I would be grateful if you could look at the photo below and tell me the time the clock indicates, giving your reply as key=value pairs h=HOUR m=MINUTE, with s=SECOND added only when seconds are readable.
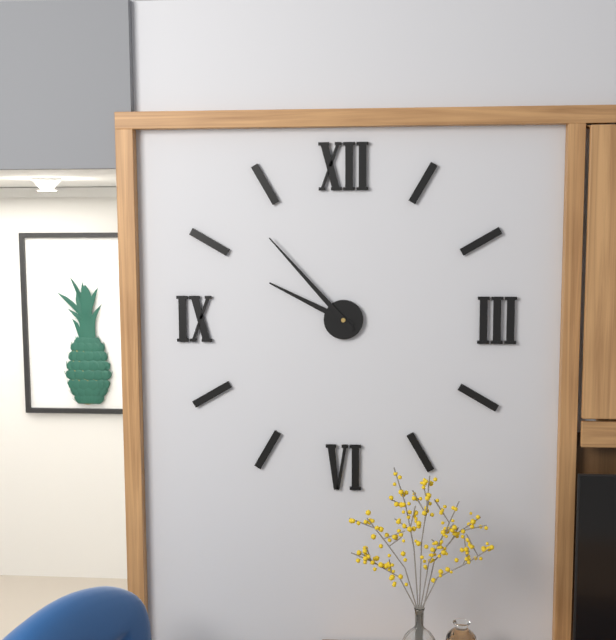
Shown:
h=9 m=53
